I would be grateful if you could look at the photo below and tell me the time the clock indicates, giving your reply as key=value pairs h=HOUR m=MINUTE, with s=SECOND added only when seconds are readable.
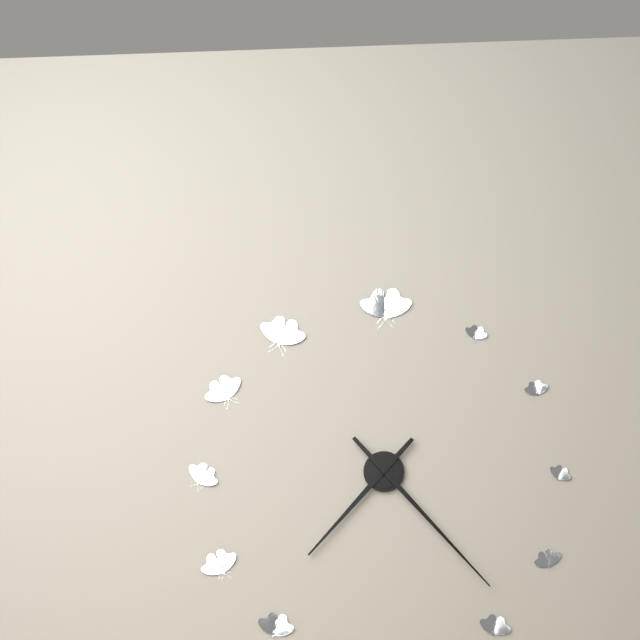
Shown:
h=7 m=23
